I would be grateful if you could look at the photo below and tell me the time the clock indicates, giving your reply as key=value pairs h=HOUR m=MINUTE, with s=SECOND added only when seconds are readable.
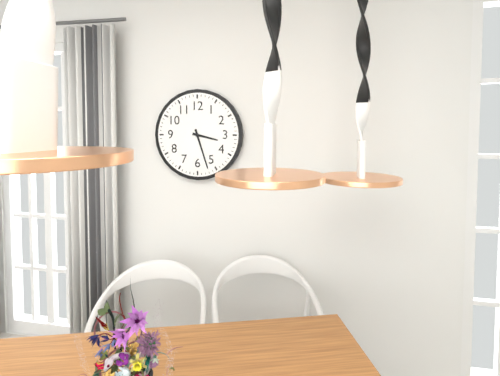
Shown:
h=3 m=27
